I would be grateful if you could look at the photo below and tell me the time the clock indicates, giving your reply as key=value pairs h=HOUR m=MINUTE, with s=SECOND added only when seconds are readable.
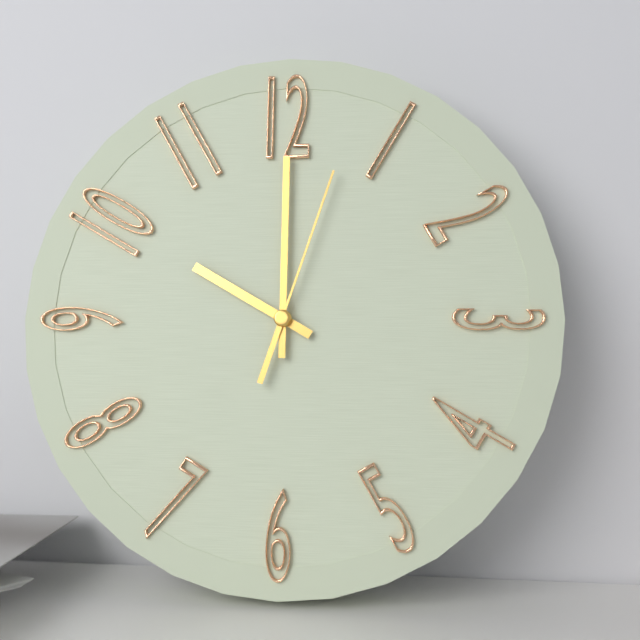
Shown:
h=10 m=0 s=3
